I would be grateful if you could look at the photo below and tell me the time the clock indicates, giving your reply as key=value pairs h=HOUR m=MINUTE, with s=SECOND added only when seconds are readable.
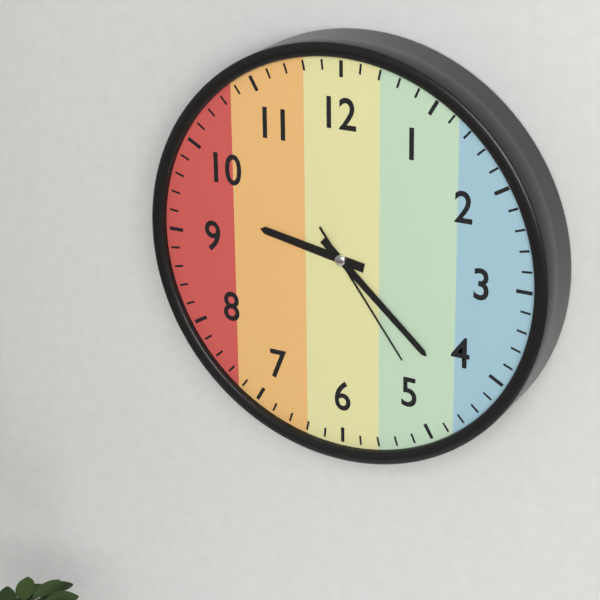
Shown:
h=9 m=22 s=24
